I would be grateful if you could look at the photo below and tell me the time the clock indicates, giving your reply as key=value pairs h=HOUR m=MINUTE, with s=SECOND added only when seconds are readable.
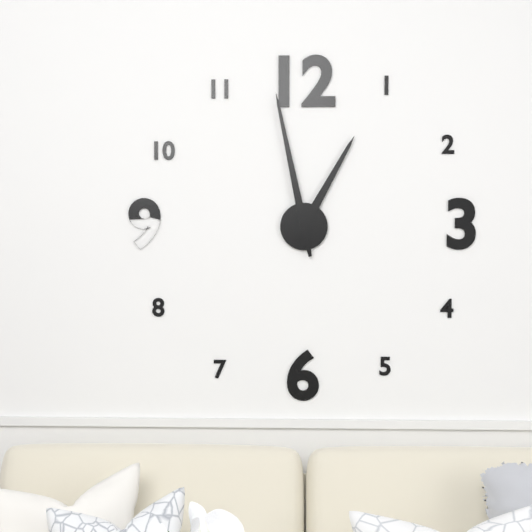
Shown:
h=12 m=58
